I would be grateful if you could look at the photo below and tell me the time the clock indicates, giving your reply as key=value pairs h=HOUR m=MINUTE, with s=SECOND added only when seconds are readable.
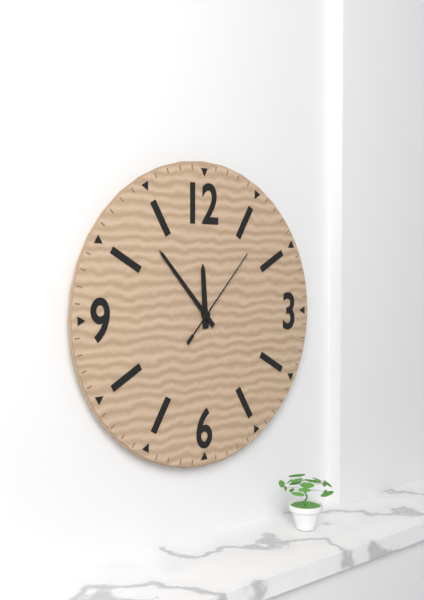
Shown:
h=11 m=53 s=7
